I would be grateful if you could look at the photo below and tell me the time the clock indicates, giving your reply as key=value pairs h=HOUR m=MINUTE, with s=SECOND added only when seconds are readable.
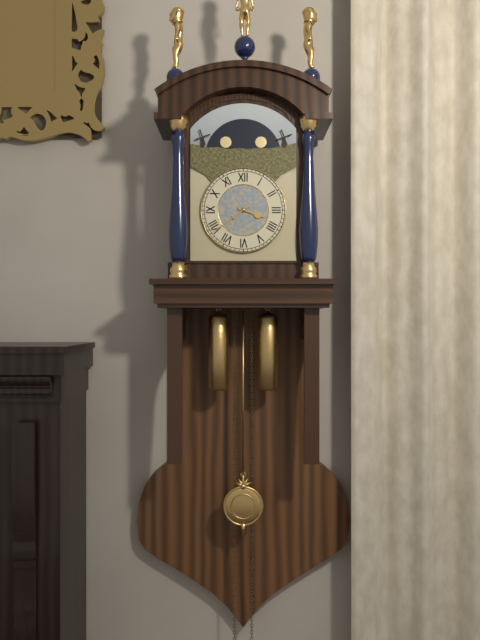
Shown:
h=3 m=39
